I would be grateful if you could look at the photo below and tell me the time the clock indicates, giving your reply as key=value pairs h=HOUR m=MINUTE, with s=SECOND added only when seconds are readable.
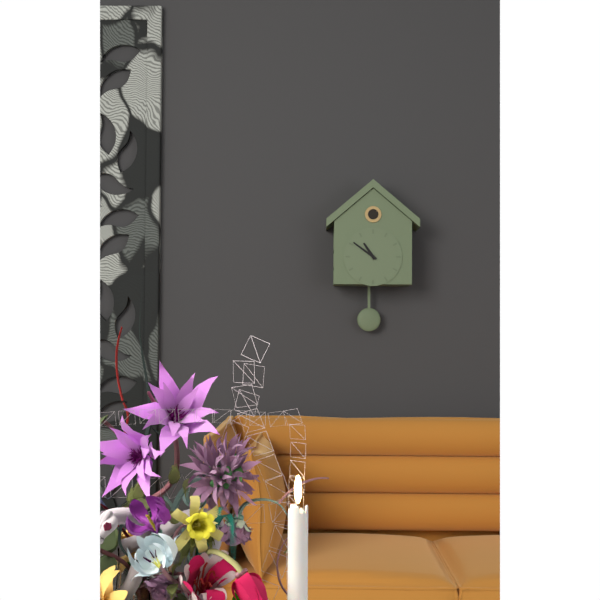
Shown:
h=10 m=51
